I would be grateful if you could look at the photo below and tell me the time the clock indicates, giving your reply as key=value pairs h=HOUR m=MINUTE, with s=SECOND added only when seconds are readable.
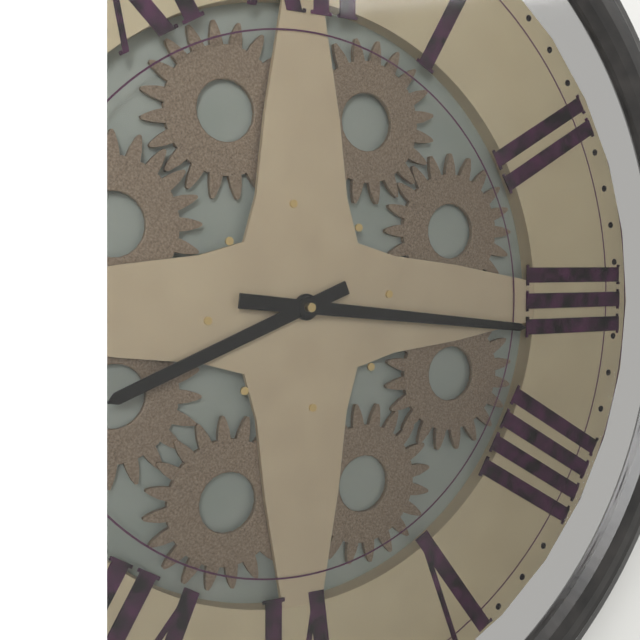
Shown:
h=8 m=16
